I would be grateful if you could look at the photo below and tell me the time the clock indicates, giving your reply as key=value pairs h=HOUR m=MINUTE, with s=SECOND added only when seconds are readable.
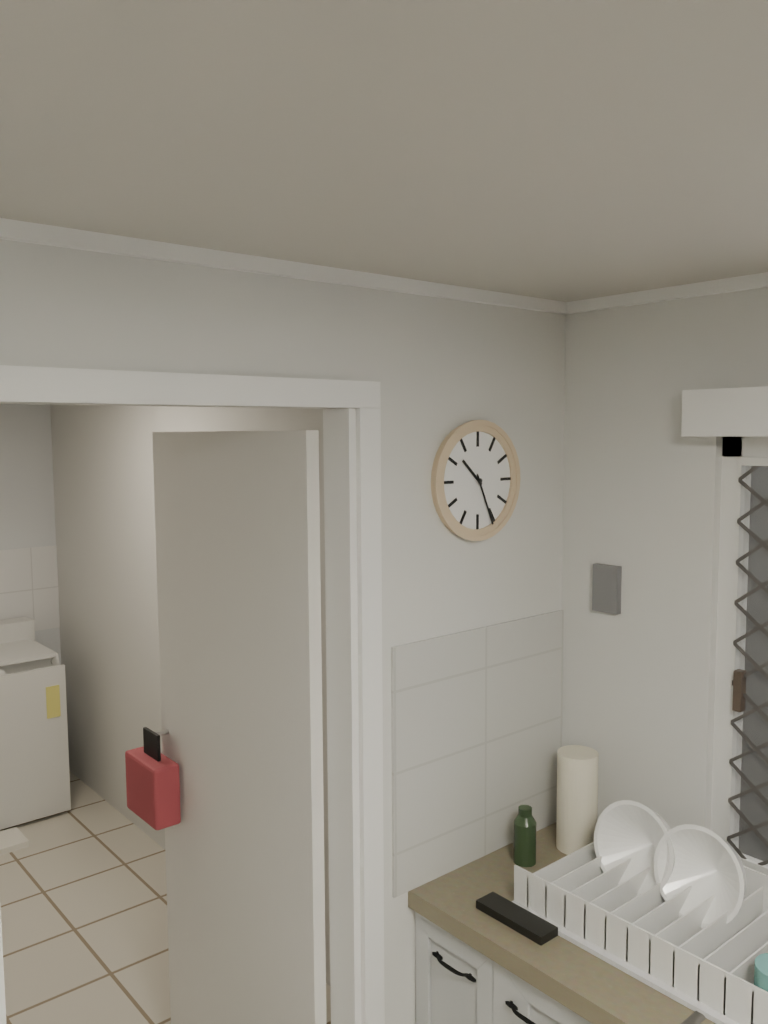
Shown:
h=10 m=26
